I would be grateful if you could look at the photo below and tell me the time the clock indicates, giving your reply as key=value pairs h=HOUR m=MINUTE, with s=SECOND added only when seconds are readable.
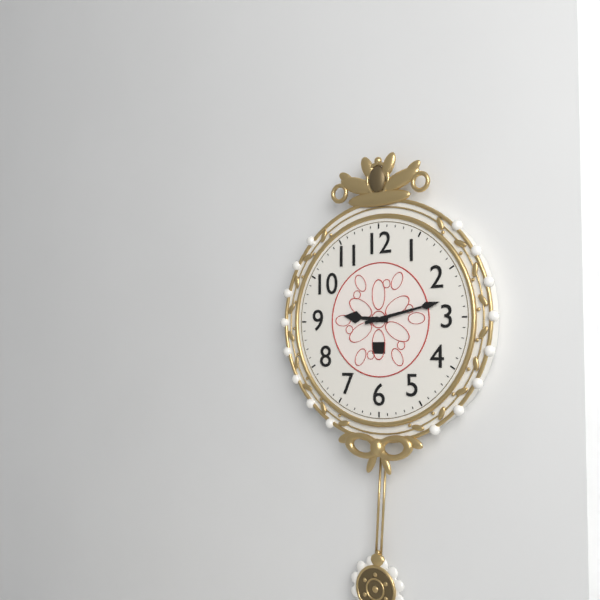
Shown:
h=9 m=13
